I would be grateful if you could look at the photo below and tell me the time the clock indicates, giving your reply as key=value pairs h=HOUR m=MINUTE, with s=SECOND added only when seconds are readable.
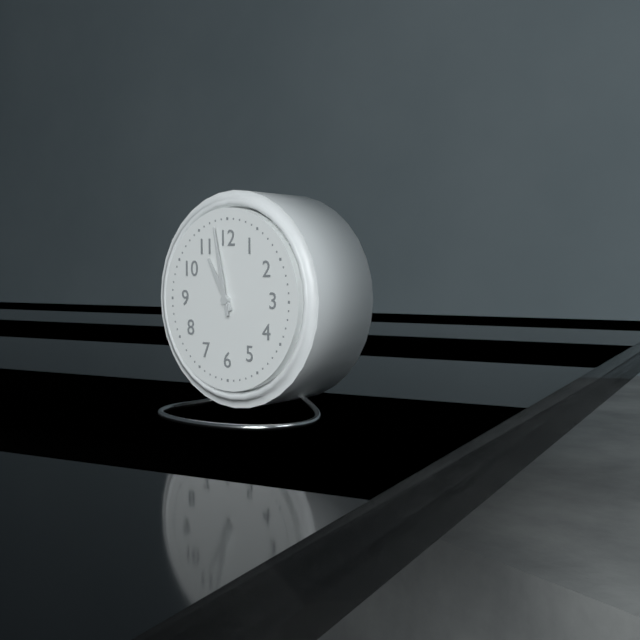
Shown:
h=10 m=58
